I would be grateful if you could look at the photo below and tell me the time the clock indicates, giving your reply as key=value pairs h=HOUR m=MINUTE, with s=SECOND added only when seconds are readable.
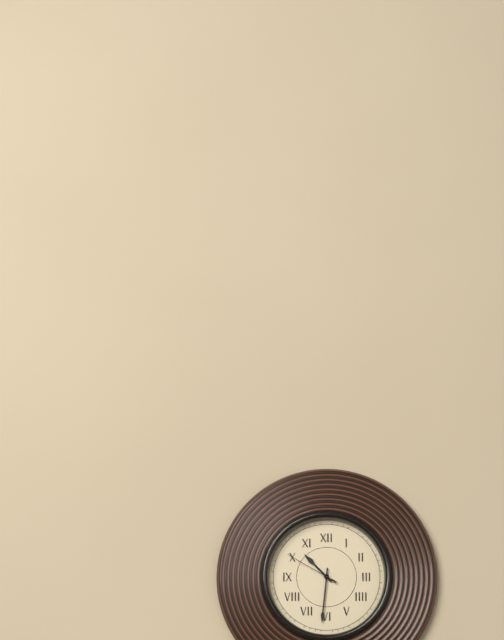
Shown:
h=10 m=31 s=50
